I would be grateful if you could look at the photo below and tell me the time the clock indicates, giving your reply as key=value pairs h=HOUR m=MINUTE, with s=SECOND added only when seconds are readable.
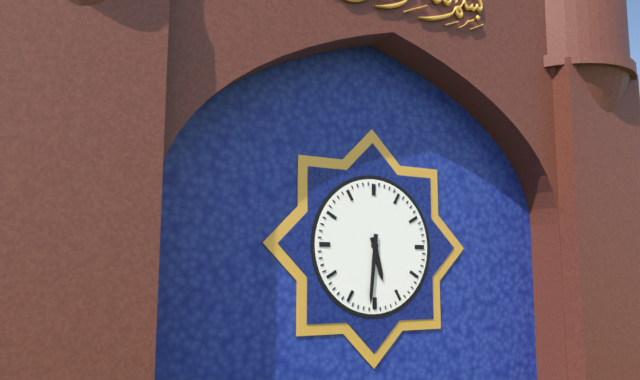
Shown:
h=5 m=31
